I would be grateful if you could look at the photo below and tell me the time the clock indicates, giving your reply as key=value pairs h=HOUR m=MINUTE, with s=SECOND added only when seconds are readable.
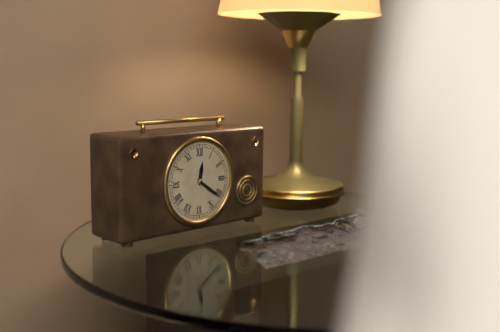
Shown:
h=12 m=21
